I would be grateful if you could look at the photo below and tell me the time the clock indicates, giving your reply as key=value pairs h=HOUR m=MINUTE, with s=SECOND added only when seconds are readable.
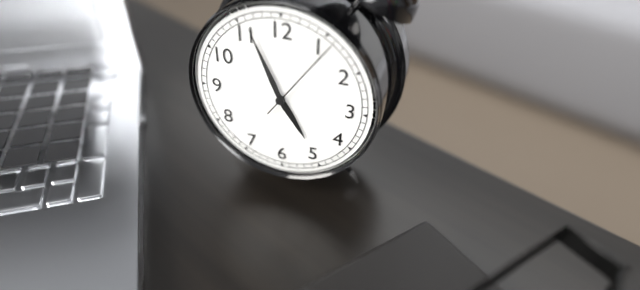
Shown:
h=4 m=56 s=6
